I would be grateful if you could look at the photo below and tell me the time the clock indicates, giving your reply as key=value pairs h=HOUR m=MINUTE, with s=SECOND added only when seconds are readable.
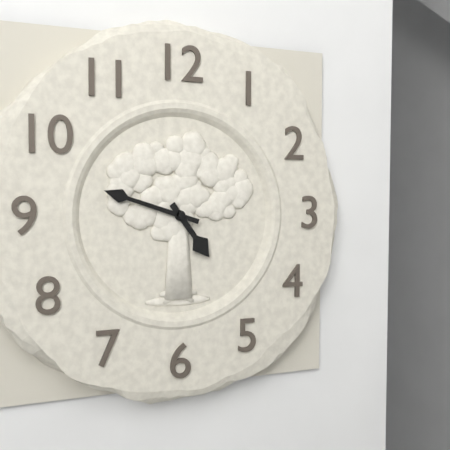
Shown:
h=4 m=48
